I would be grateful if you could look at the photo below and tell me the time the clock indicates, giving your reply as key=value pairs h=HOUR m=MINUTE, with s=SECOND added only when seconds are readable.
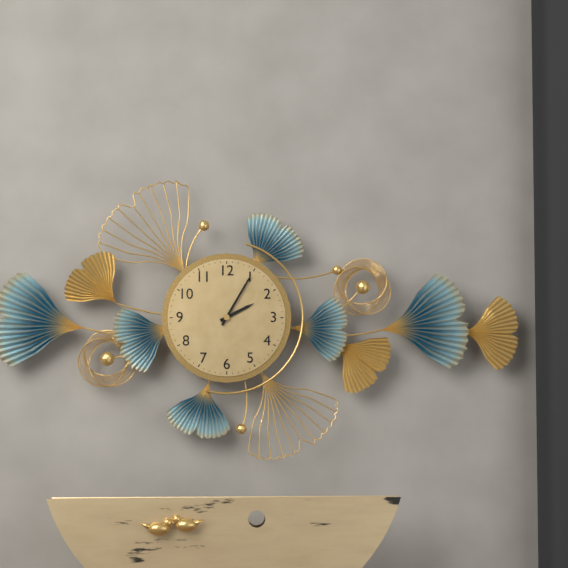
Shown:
h=2 m=5
